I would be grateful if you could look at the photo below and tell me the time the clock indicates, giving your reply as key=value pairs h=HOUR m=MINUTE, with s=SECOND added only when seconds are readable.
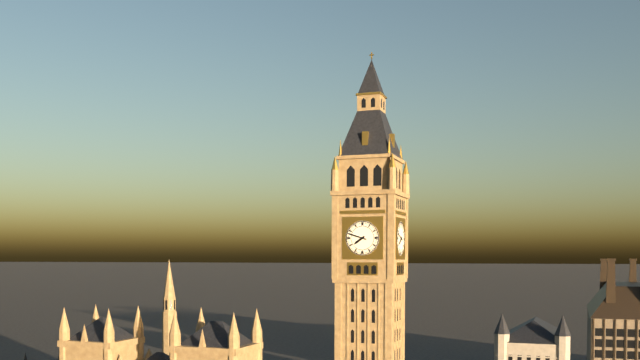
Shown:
h=7 m=48
